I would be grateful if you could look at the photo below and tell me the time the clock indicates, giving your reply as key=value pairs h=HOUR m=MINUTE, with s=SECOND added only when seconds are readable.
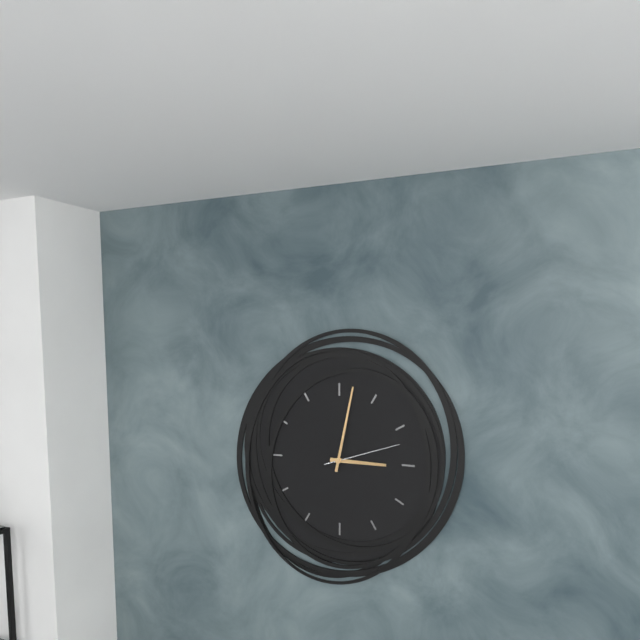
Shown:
h=3 m=2 s=12
